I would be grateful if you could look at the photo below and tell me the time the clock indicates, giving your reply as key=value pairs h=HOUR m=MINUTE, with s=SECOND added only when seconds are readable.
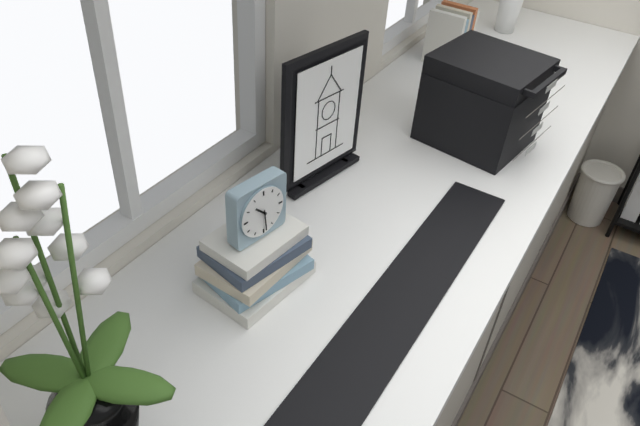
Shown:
h=10 m=29
